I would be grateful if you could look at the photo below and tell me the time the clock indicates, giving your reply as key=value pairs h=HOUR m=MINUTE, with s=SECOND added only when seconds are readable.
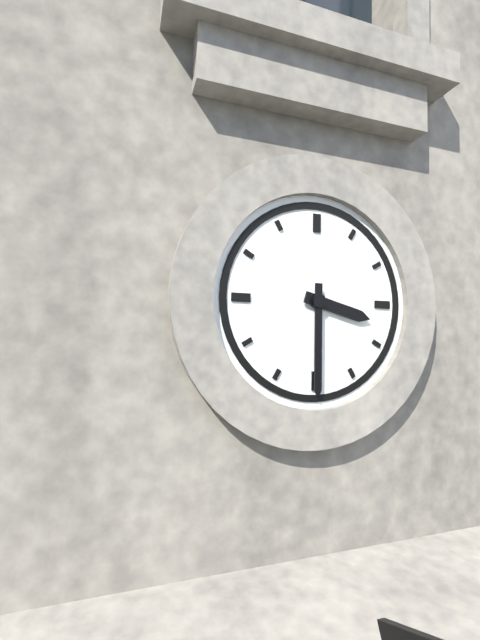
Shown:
h=3 m=30
